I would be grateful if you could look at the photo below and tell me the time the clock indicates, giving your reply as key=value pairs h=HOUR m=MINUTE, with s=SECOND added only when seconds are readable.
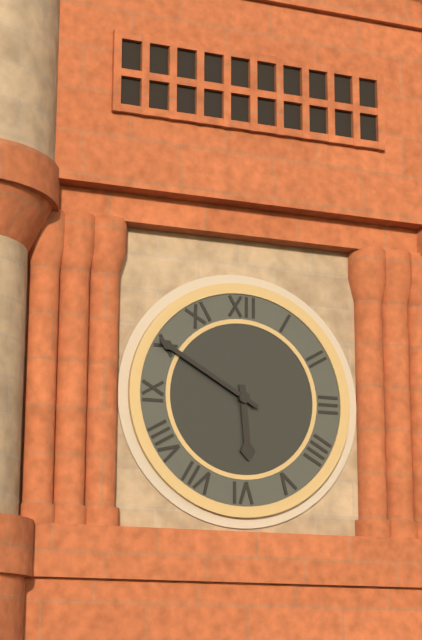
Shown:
h=5 m=50
